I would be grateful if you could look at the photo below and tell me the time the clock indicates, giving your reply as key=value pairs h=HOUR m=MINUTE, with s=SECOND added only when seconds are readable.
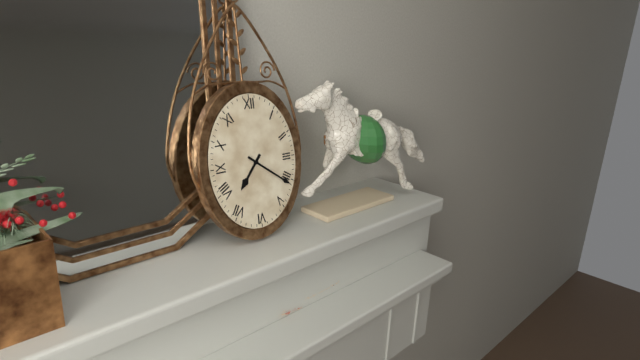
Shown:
h=7 m=21
